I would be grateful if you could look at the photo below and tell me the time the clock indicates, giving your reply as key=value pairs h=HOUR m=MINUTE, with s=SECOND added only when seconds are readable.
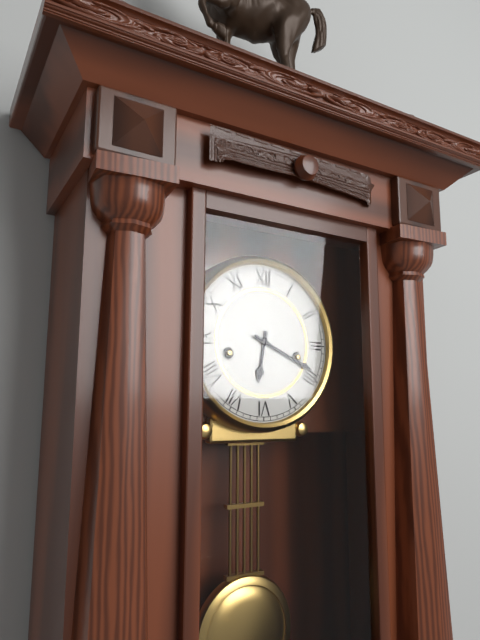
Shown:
h=6 m=19
